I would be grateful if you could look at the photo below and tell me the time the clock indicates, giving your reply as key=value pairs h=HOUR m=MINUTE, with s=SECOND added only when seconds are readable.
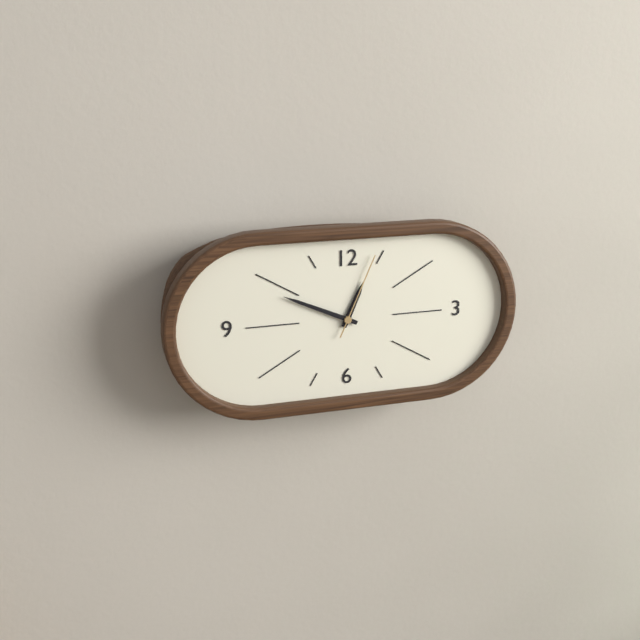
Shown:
h=12 m=49 s=4
